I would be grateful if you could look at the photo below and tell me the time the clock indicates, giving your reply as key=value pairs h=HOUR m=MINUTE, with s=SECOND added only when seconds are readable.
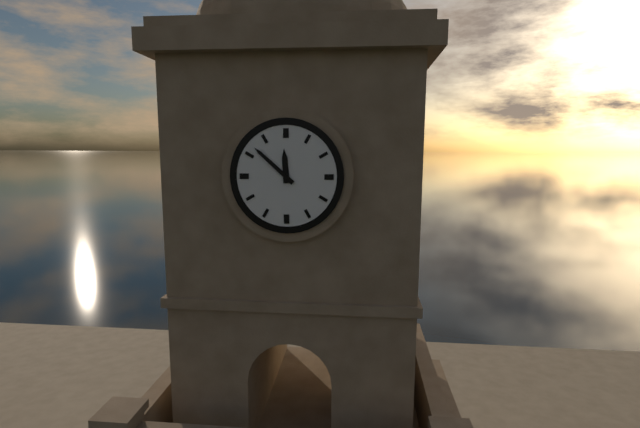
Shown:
h=11 m=52
